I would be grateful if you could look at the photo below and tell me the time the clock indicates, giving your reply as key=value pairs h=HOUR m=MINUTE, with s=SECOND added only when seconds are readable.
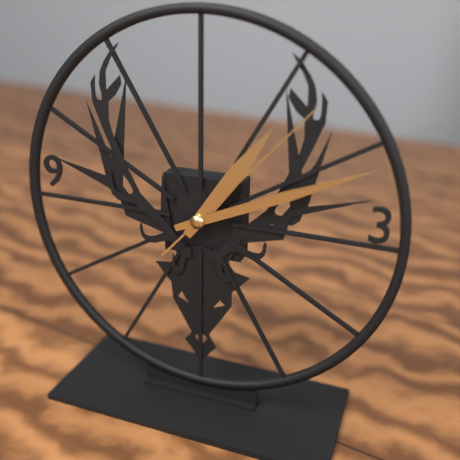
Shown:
h=1 m=11 s=7
